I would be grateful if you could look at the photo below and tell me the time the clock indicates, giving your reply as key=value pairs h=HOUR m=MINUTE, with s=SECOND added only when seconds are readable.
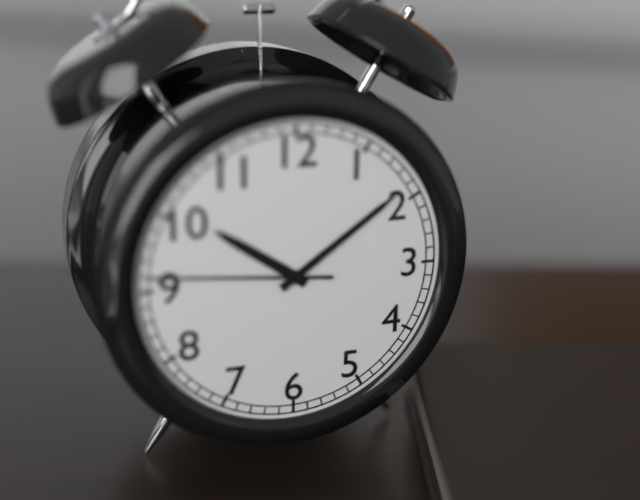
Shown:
h=10 m=9 s=46
